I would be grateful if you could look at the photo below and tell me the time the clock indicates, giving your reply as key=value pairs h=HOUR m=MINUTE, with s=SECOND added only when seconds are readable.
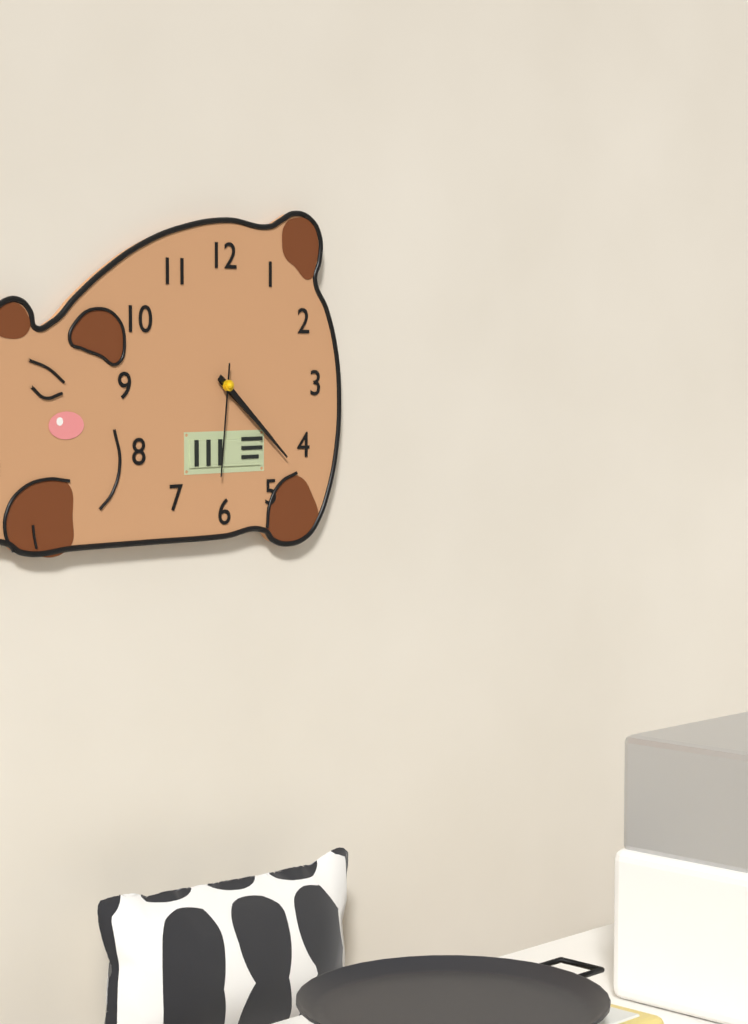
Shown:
h=4 m=22 s=31
